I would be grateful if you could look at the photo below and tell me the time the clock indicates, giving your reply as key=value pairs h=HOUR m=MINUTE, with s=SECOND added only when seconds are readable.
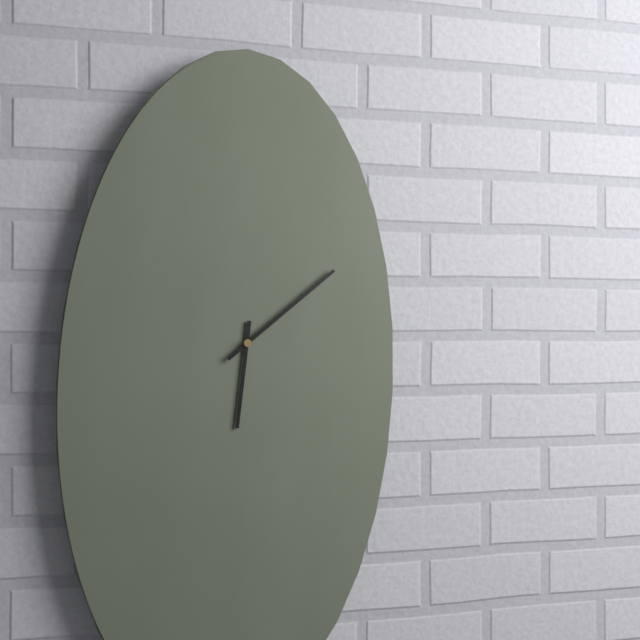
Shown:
h=6 m=8
